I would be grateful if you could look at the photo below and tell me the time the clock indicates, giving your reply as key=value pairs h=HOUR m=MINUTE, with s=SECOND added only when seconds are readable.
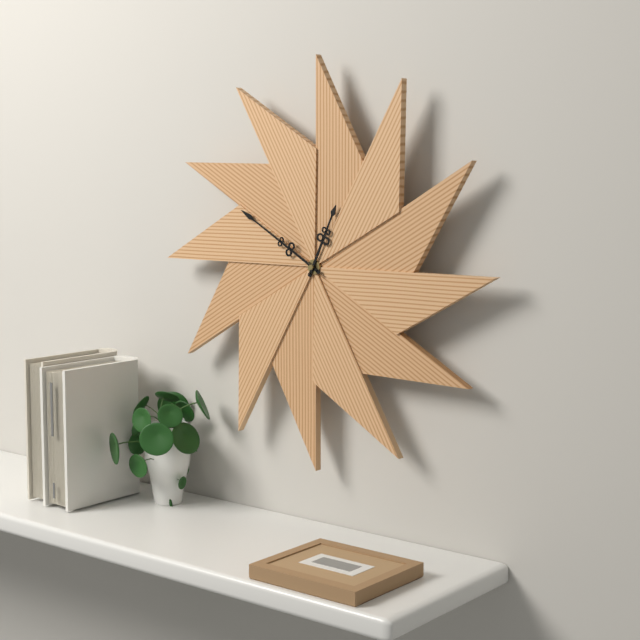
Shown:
h=12 m=50
